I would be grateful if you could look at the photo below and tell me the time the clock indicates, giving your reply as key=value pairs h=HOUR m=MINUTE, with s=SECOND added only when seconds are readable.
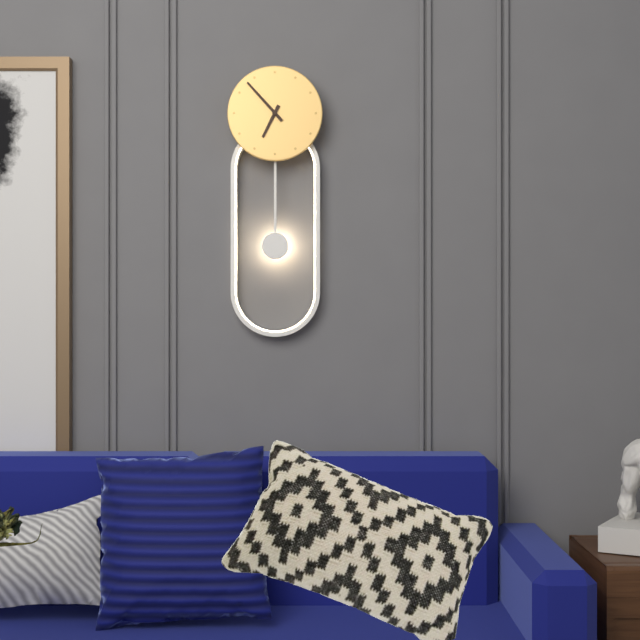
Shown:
h=6 m=53
